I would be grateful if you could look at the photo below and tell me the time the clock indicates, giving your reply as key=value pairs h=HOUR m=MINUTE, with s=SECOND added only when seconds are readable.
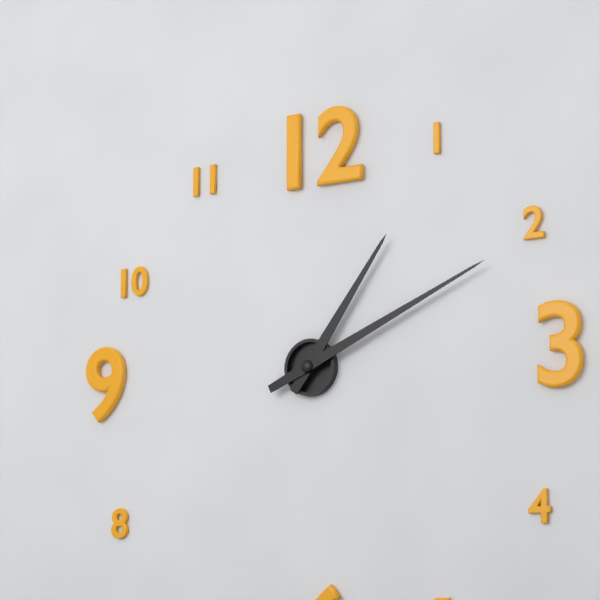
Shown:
h=1 m=11
